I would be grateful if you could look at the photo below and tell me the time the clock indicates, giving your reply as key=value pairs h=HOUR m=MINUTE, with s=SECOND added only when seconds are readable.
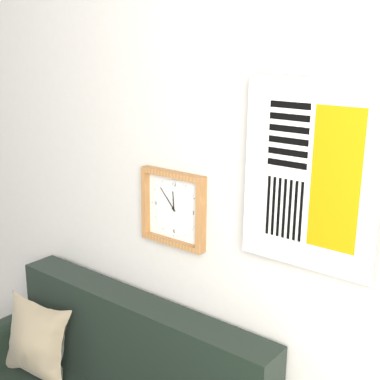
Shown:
h=11 m=53
